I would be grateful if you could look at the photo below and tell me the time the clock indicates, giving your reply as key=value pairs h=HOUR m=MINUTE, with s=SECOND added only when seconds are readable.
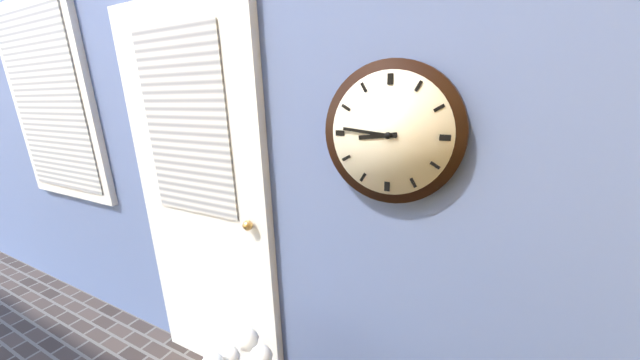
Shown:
h=8 m=46
